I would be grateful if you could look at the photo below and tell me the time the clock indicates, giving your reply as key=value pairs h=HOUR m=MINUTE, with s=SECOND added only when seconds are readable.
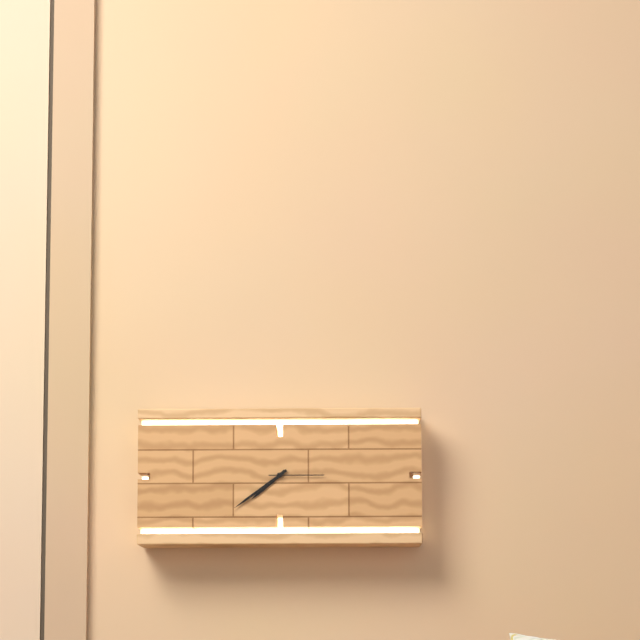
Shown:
h=7 m=39 s=15
